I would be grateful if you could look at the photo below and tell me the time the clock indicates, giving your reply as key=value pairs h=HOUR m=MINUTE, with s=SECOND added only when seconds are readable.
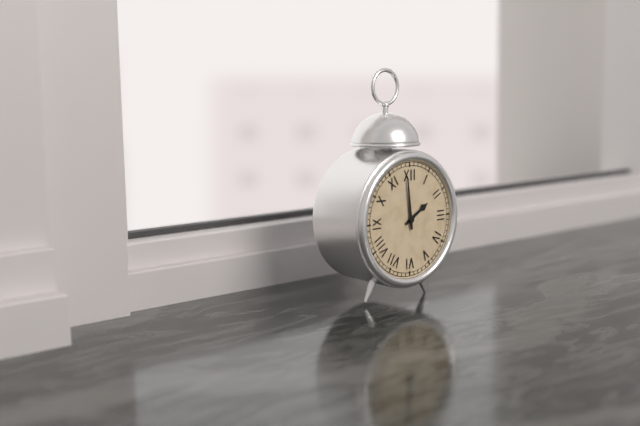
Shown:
h=1 m=59
